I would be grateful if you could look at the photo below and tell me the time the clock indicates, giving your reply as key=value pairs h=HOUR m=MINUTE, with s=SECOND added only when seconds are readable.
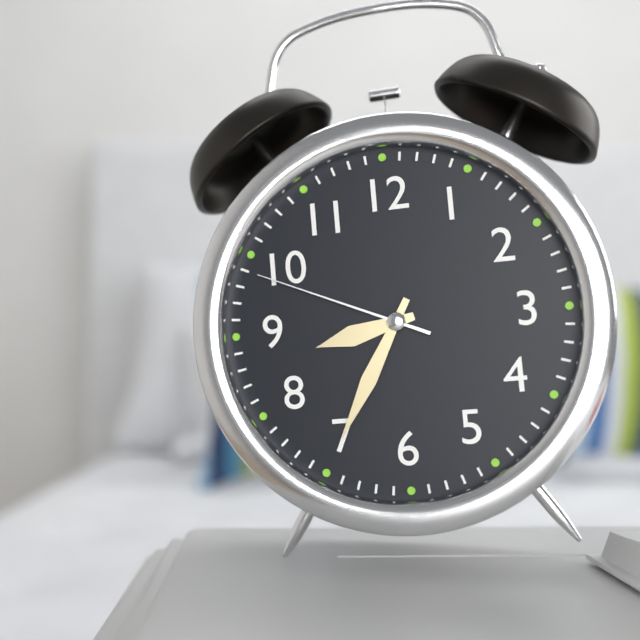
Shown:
h=8 m=35 s=49
